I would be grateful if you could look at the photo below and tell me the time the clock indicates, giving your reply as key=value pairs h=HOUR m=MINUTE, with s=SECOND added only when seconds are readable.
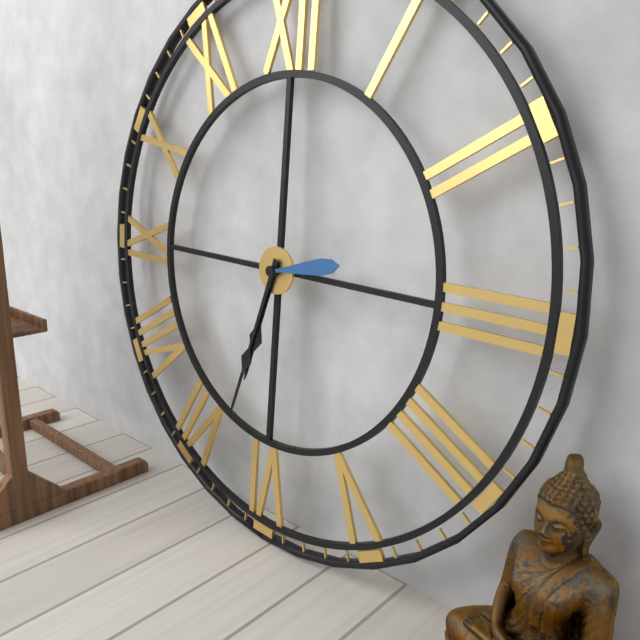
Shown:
h=6 m=33 s=13
